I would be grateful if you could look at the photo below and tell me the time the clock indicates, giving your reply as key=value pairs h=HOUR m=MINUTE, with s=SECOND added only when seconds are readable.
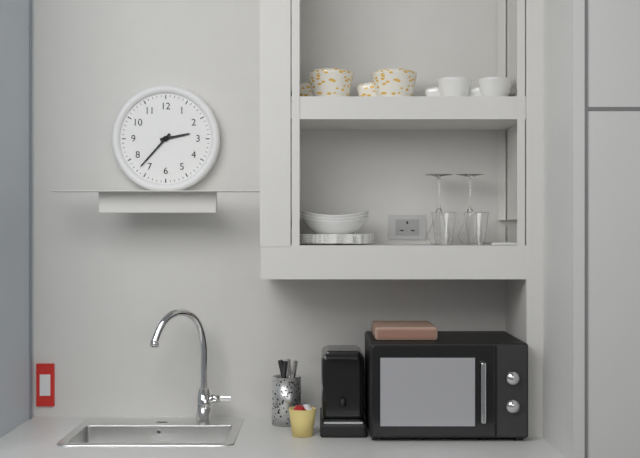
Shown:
h=2 m=37
